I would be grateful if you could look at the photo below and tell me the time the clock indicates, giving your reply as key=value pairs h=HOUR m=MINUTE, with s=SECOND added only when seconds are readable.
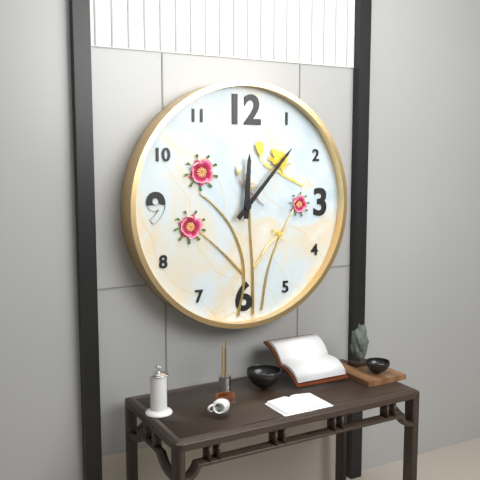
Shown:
h=12 m=7
